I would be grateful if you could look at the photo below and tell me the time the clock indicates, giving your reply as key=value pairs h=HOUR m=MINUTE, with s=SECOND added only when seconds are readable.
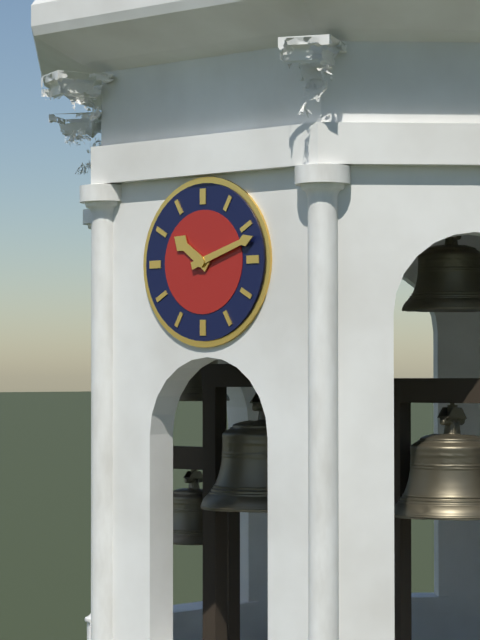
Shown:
h=10 m=12
